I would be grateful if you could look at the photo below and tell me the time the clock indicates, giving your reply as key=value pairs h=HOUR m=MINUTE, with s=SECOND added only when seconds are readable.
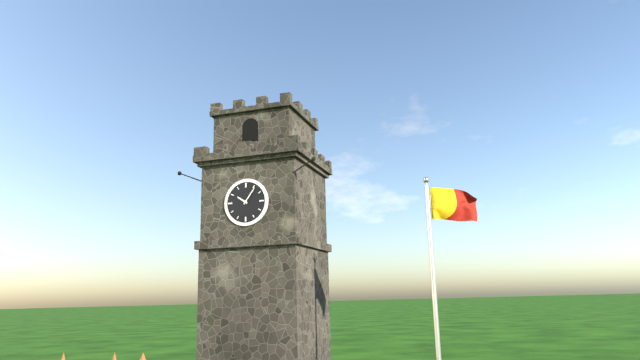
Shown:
h=10 m=6
